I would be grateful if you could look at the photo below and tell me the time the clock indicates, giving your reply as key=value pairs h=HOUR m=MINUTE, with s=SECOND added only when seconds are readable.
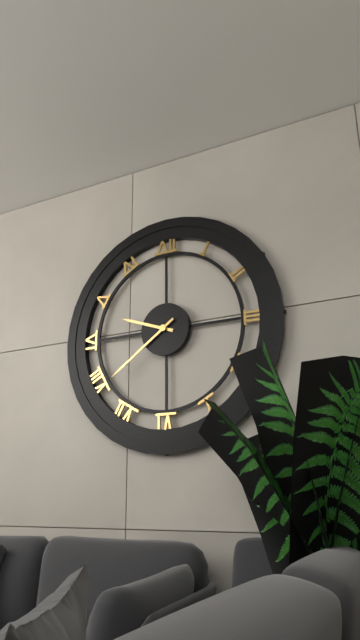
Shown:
h=9 m=39
